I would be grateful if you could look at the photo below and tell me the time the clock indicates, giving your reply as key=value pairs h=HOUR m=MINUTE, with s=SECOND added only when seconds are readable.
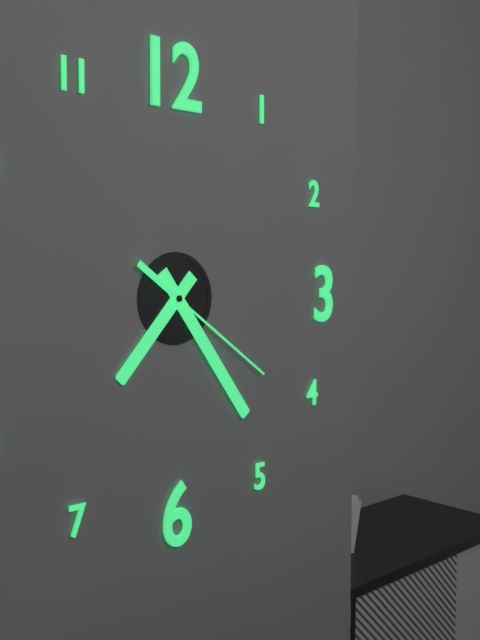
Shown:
h=7 m=24 s=21
